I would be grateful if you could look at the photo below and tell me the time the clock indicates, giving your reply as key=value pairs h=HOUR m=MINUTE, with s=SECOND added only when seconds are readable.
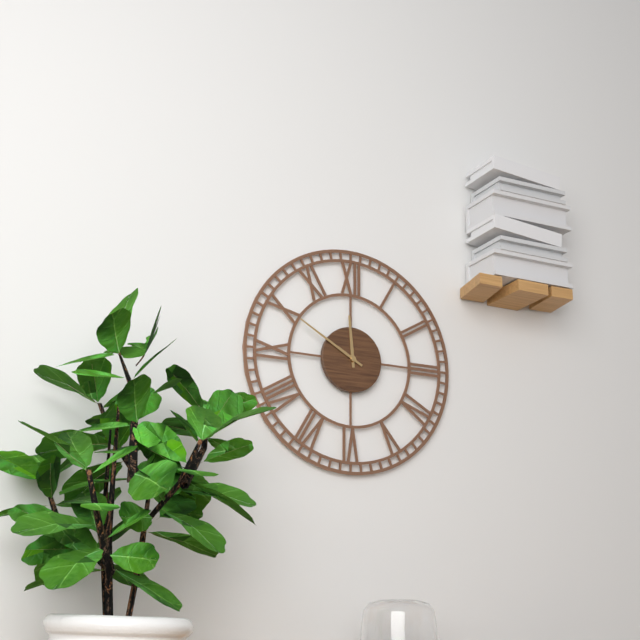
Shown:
h=11 m=50
